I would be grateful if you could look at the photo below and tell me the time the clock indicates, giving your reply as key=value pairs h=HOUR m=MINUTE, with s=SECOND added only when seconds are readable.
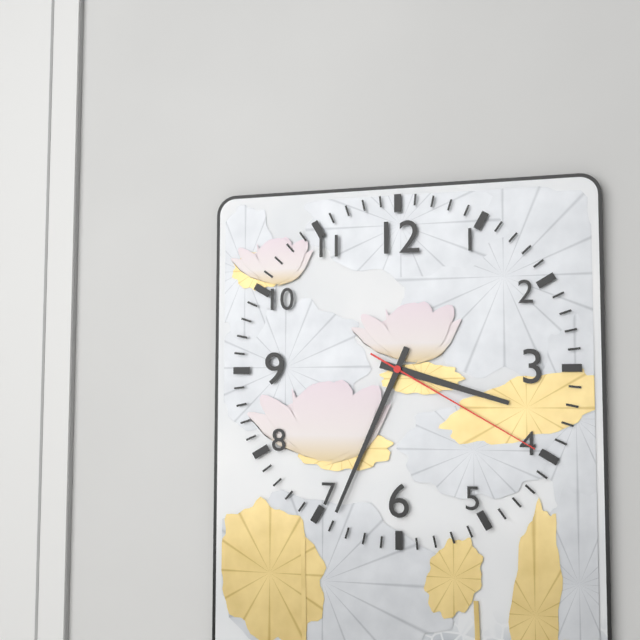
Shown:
h=3 m=34 s=20
